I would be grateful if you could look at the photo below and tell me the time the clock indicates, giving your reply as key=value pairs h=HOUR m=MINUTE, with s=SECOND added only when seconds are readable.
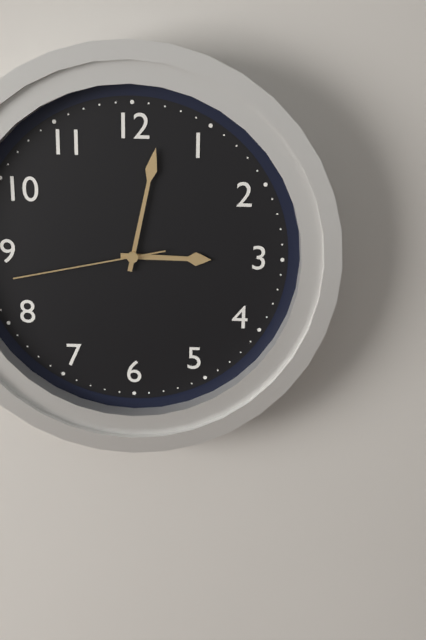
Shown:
h=3 m=2 s=43
